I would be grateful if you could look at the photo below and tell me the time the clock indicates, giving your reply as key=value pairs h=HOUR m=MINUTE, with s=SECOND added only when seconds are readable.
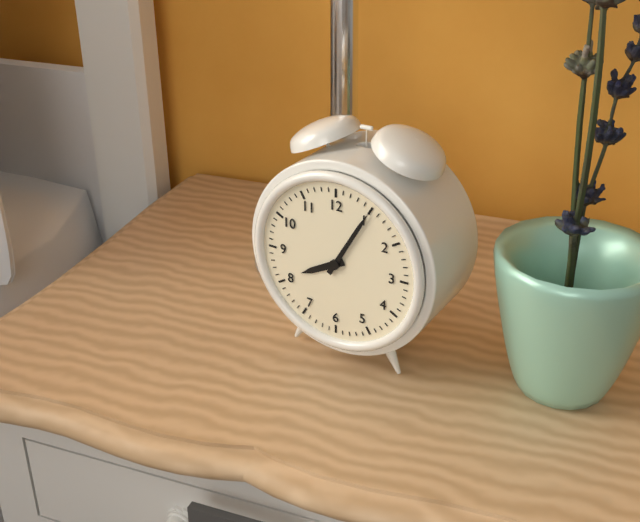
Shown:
h=8 m=5
